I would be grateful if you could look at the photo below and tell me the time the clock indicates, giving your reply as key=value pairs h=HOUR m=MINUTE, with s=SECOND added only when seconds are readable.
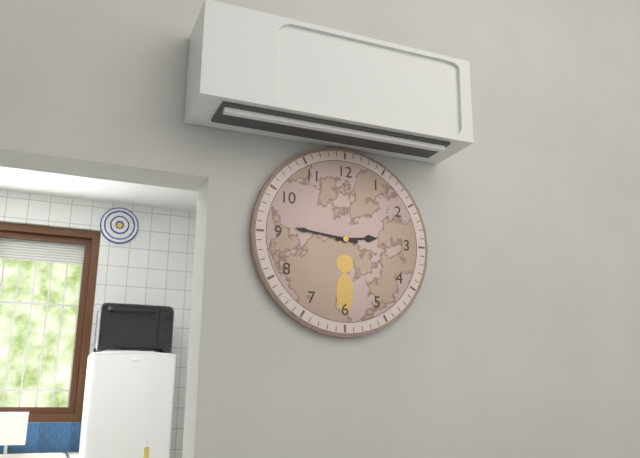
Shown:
h=2 m=46
